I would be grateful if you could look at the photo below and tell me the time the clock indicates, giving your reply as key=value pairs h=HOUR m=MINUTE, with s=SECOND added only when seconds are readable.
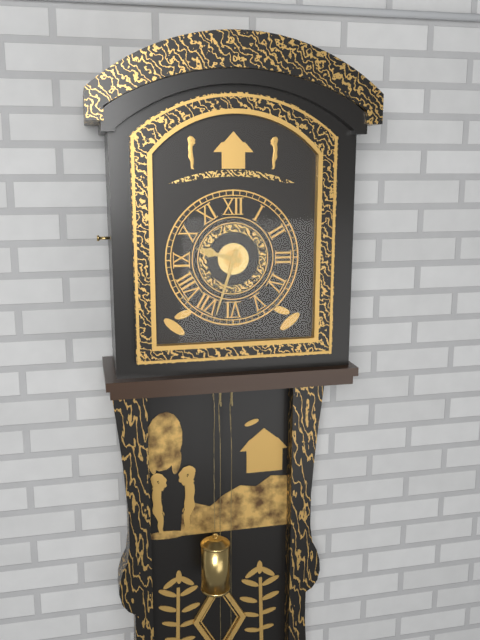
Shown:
h=9 m=33
